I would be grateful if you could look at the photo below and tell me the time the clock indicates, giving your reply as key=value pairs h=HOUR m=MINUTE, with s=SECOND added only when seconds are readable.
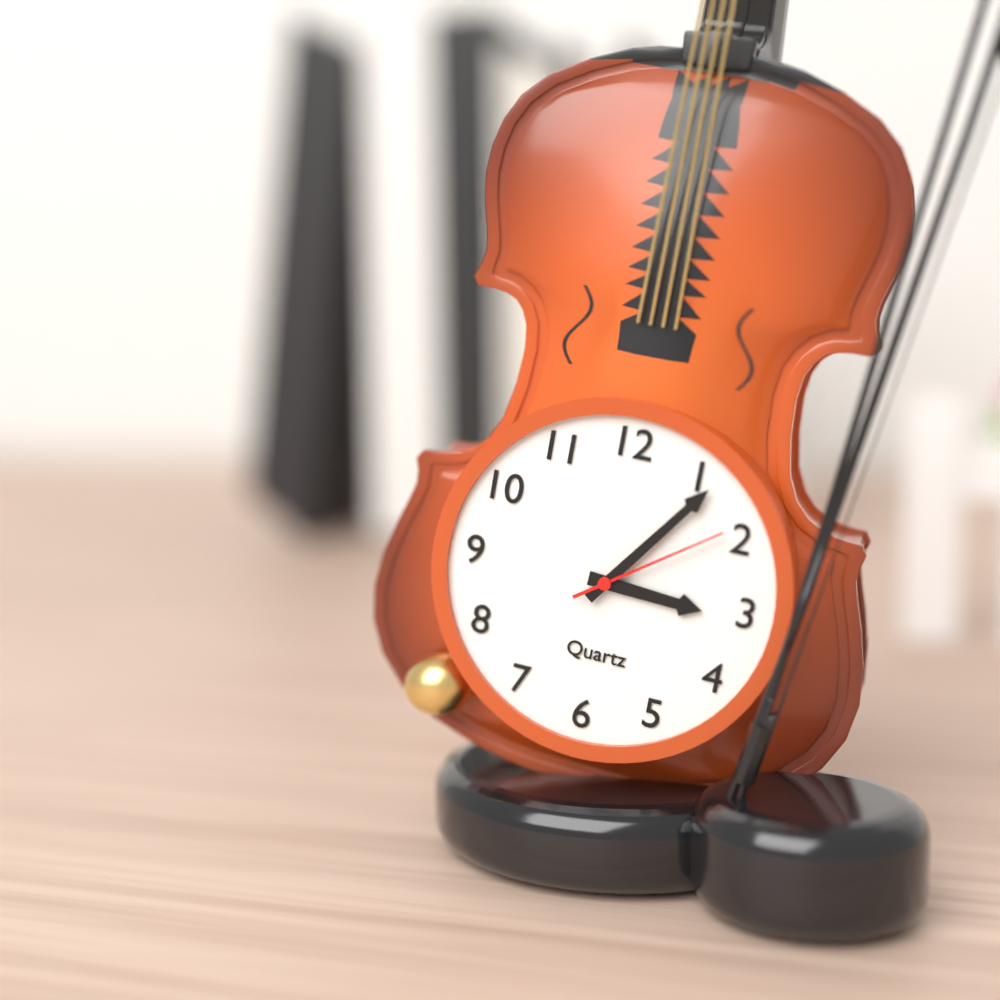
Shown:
h=3 m=6 s=9
